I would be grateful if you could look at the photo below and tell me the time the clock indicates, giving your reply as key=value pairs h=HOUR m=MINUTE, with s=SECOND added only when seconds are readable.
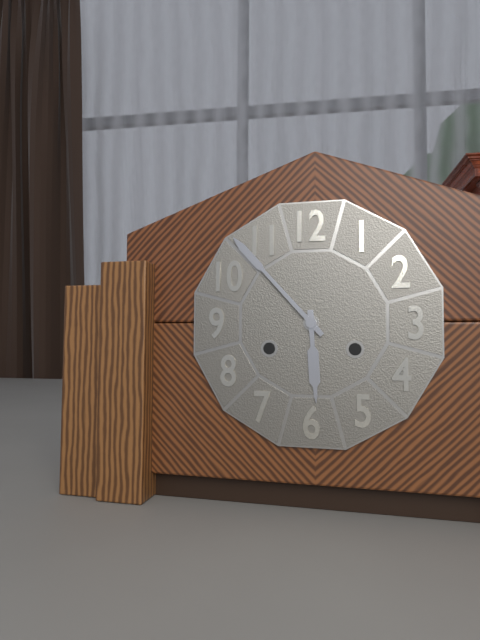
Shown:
h=5 m=53
